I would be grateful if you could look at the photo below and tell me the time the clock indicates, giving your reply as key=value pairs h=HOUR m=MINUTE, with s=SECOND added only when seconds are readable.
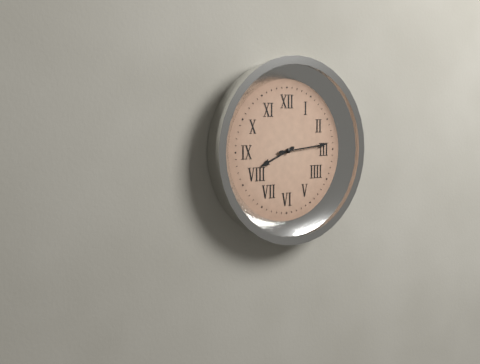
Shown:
h=8 m=14
